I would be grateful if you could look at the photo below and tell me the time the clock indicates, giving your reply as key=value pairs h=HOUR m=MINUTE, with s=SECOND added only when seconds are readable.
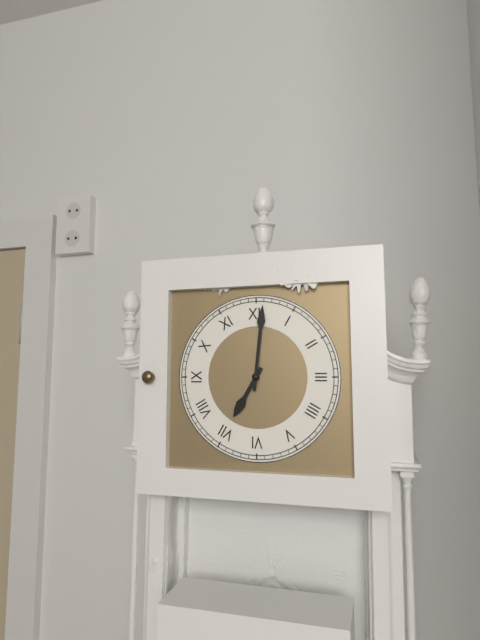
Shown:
h=7 m=1
